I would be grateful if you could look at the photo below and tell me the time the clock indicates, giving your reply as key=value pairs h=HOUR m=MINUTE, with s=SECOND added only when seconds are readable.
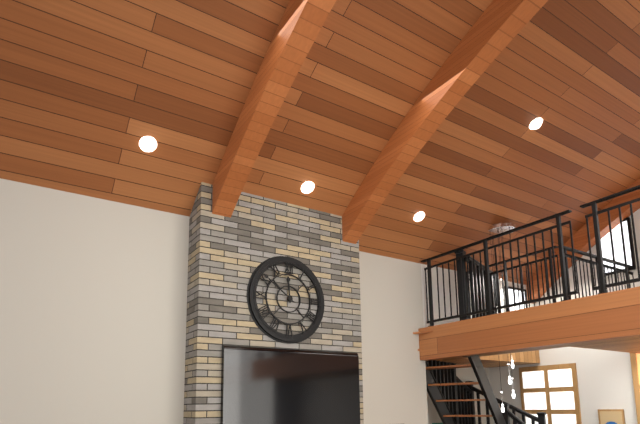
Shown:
h=11 m=51
